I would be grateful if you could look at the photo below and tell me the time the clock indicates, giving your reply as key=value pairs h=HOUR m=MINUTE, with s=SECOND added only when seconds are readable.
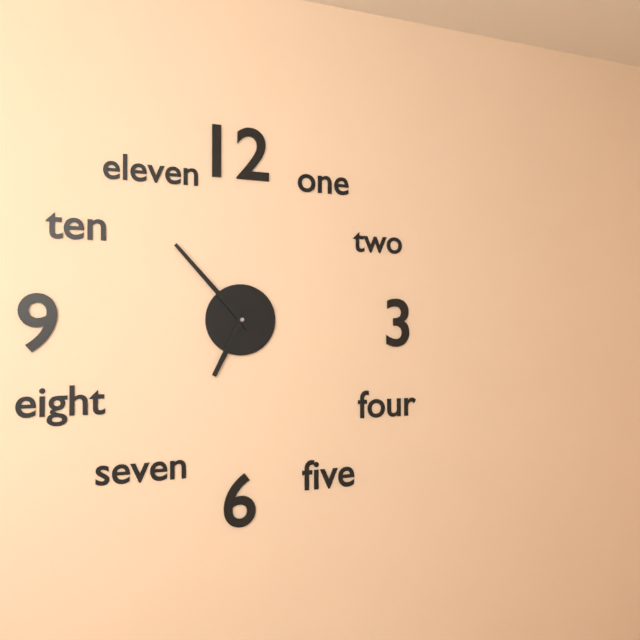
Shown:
h=6 m=53
